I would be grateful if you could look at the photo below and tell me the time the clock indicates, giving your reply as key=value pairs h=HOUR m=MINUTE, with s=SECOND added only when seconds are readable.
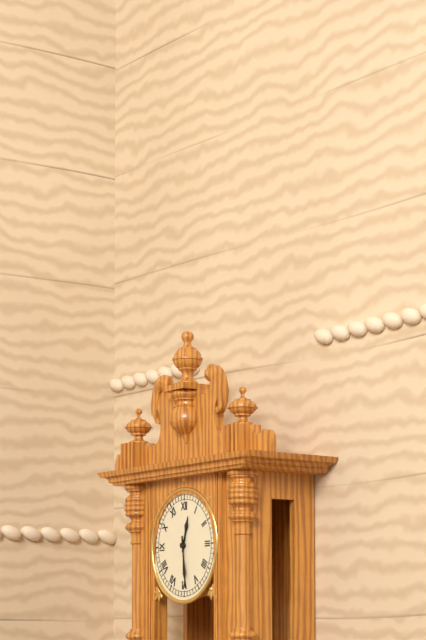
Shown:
h=12 m=29
